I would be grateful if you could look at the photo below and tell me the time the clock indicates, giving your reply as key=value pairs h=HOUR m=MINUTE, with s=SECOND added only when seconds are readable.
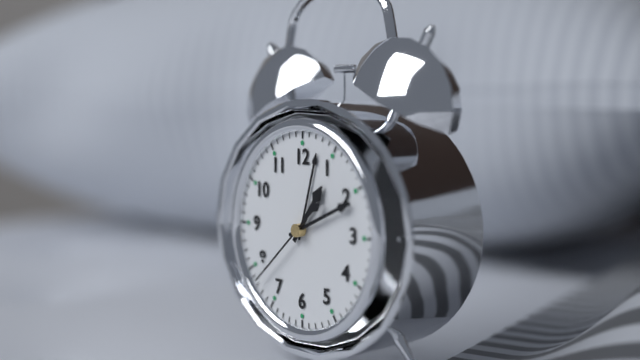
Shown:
h=1 m=11 s=38
